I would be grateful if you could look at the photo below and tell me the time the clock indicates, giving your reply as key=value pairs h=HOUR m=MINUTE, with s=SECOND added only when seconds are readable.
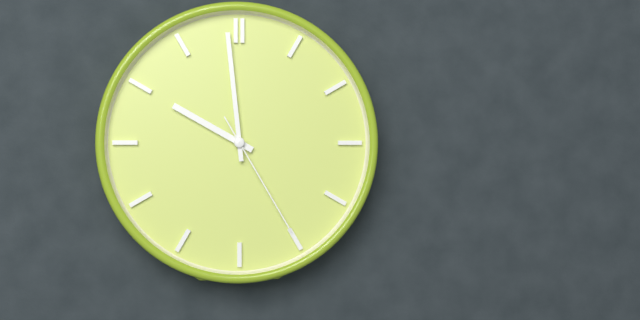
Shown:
h=9 m=59 s=25
